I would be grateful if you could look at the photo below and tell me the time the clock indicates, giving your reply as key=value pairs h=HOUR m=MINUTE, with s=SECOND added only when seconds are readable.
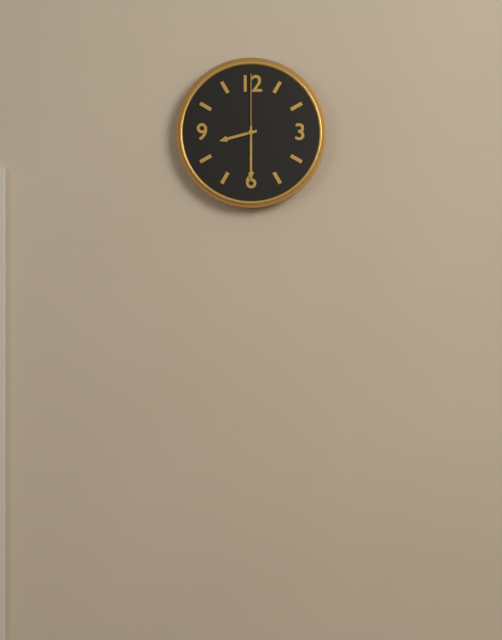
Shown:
h=8 m=30 s=0
